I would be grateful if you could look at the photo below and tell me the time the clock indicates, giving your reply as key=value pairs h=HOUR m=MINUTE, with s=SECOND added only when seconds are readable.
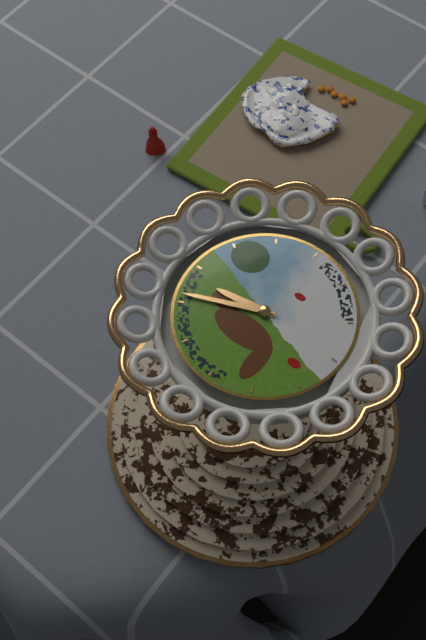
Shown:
h=8 m=41
